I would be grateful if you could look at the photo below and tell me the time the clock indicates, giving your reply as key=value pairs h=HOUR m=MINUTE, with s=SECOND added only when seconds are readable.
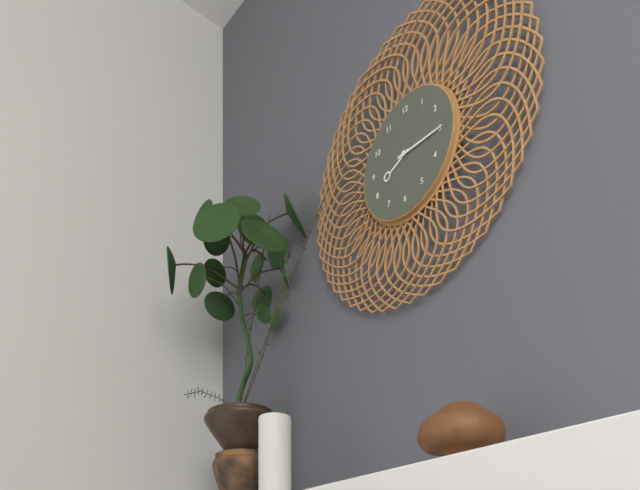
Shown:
h=8 m=15
